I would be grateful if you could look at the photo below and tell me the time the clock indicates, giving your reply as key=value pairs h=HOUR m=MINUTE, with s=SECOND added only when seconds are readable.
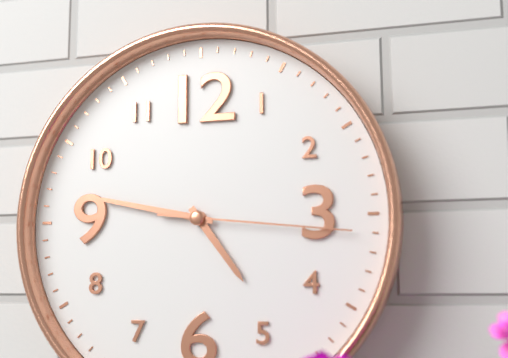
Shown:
h=4 m=47 s=16
